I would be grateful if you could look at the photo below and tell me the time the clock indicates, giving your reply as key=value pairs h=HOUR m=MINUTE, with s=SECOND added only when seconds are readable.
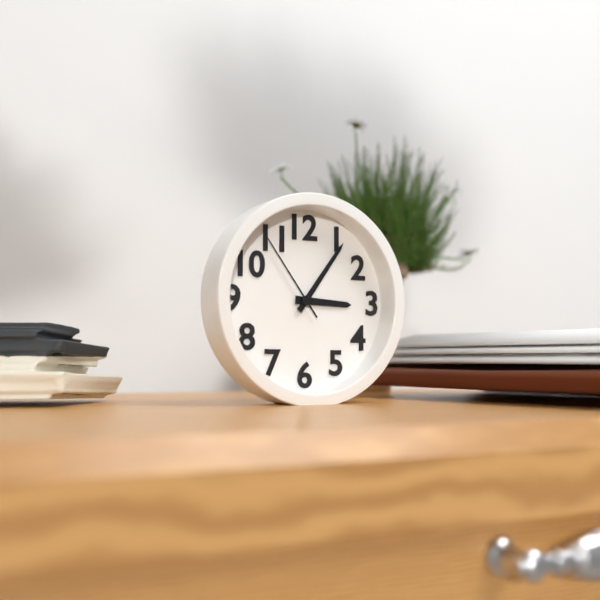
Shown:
h=3 m=6 s=54
